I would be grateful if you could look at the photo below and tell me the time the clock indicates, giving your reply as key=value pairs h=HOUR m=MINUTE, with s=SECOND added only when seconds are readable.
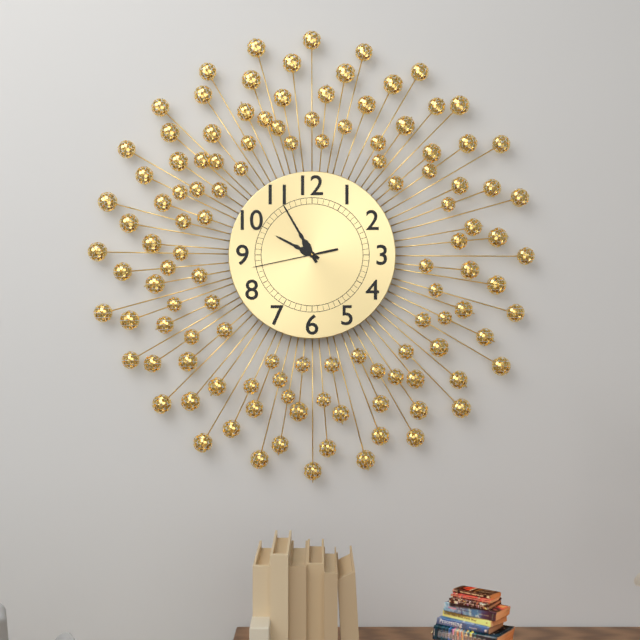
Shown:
h=9 m=55 s=43
